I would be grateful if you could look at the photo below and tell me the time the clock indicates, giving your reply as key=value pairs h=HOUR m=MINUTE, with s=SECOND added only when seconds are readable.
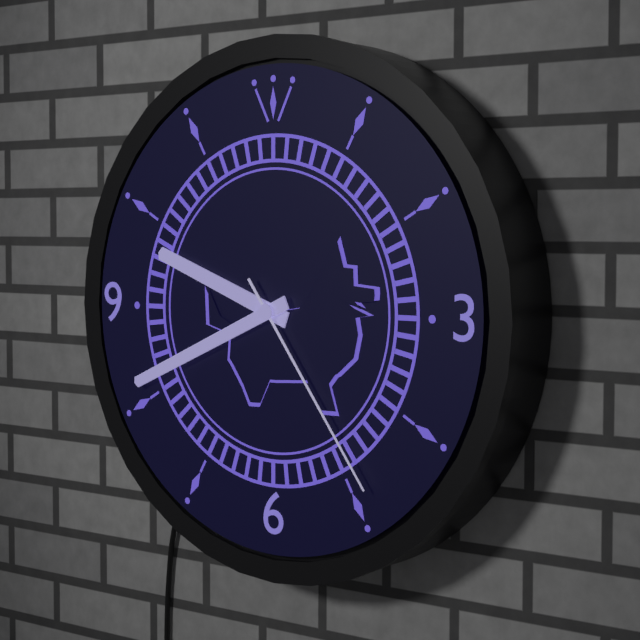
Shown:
h=9 m=41 s=24
